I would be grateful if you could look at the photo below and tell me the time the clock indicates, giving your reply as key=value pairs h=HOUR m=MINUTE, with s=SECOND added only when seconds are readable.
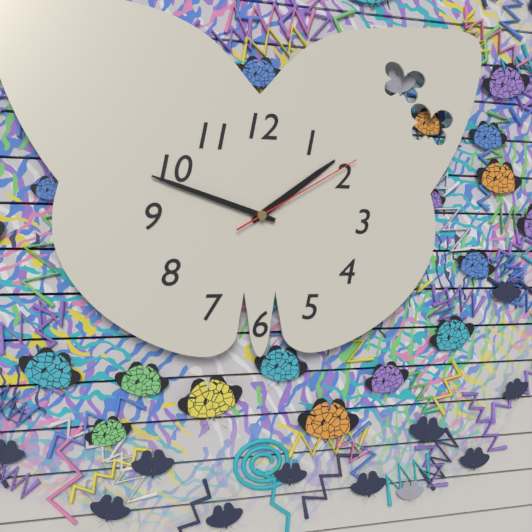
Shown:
h=1 m=48 s=10
